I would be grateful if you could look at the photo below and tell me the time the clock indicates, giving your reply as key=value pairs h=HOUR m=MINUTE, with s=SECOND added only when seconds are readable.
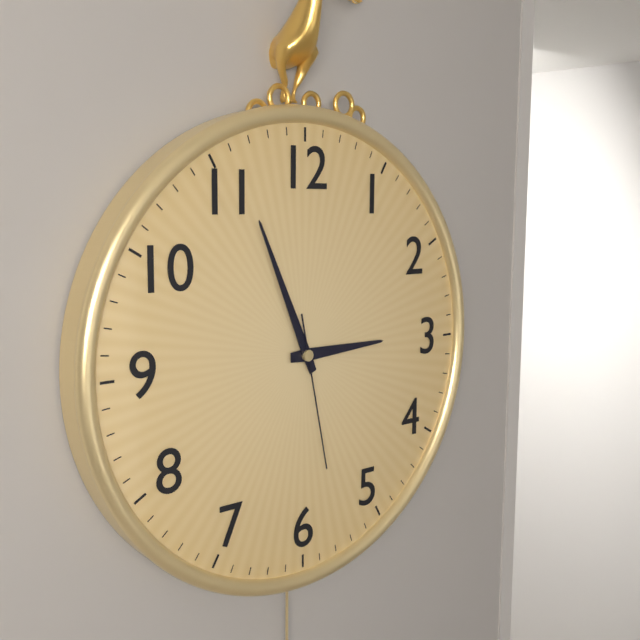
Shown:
h=2 m=56 s=28
